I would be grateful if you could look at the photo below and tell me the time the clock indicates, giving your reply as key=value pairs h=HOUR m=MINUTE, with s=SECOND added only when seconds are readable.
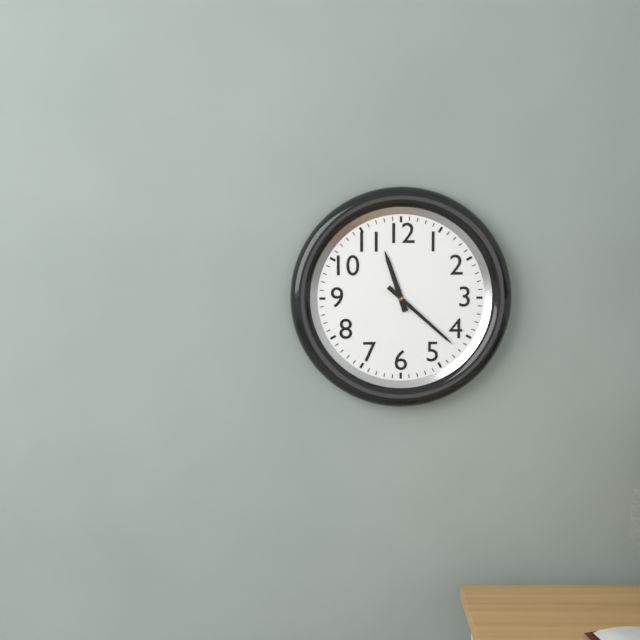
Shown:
h=11 m=22
